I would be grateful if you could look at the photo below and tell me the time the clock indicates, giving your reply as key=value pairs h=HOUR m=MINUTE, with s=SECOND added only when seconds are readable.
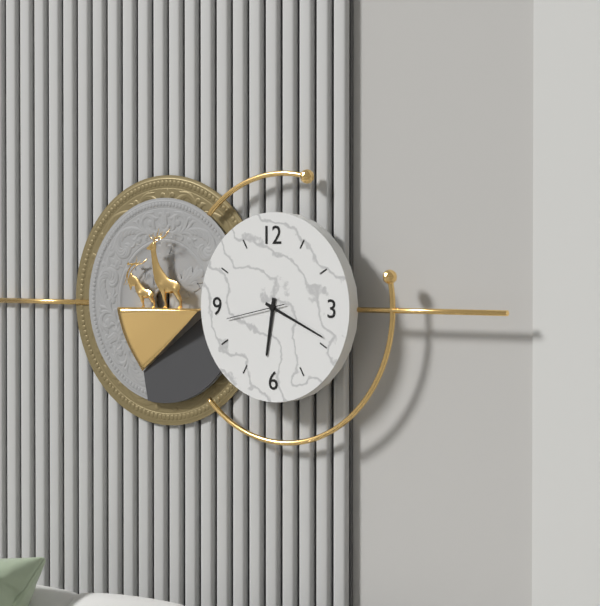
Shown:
h=6 m=19 s=43
